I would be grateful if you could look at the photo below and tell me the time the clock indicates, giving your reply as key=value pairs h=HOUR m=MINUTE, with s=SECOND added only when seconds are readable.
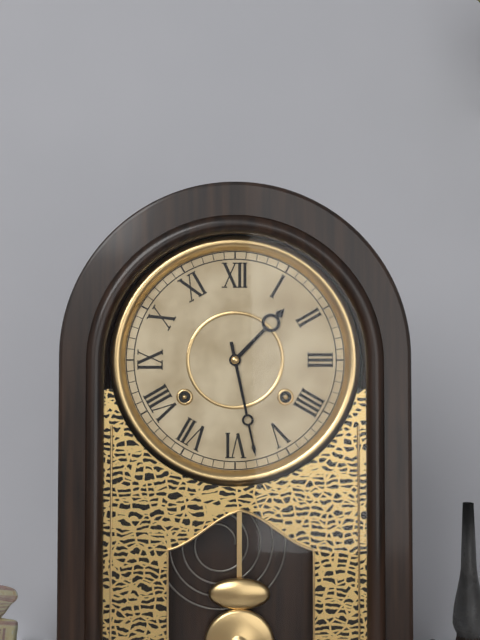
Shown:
h=1 m=28
